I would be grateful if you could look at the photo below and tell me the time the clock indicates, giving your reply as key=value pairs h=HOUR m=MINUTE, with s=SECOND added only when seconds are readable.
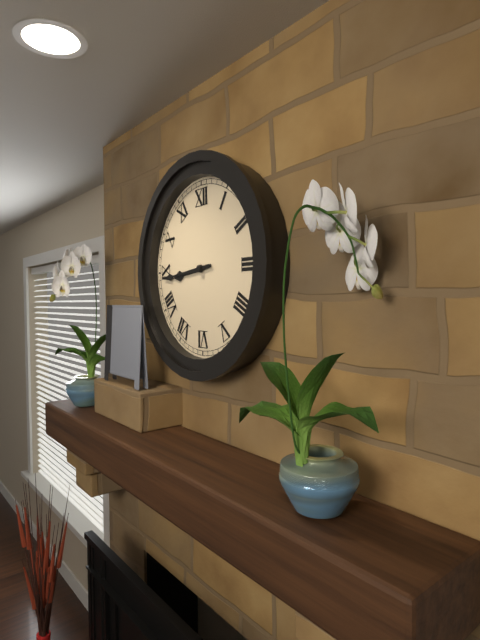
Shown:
h=8 m=44
